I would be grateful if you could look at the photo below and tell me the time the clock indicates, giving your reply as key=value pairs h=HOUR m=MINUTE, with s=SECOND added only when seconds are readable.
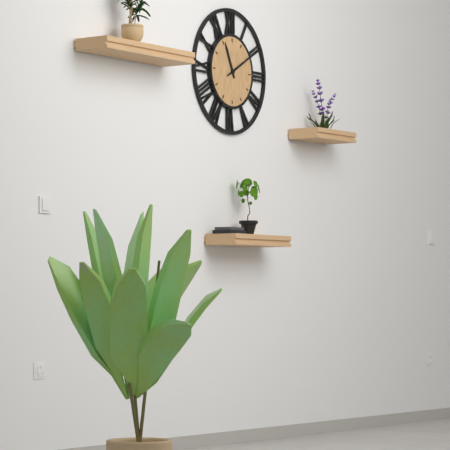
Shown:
h=11 m=10
